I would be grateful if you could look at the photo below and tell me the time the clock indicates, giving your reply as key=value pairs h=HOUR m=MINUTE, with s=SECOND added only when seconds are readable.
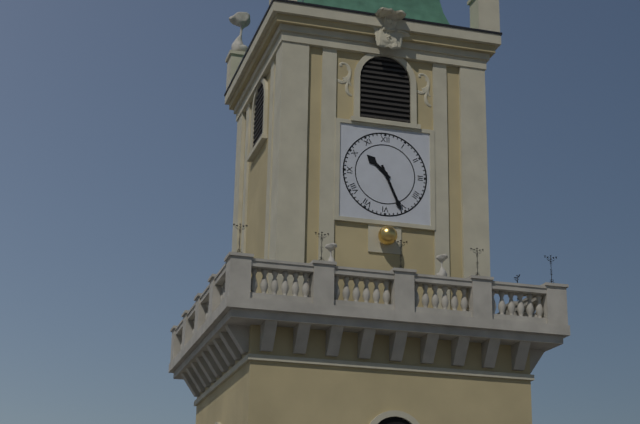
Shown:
h=10 m=26
